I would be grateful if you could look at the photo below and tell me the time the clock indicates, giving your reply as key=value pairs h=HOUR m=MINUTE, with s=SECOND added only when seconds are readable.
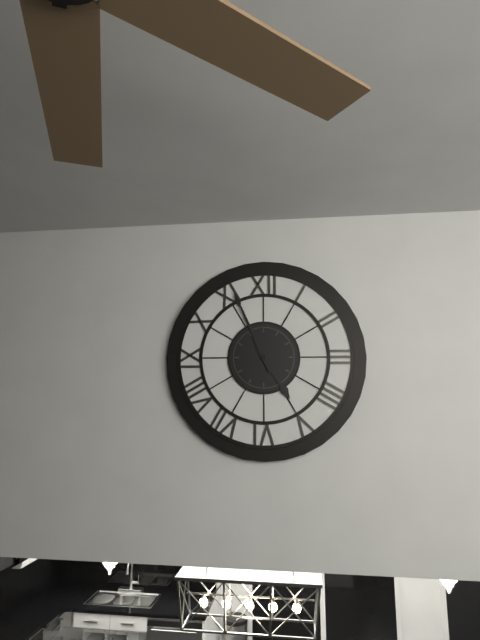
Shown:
h=4 m=56
